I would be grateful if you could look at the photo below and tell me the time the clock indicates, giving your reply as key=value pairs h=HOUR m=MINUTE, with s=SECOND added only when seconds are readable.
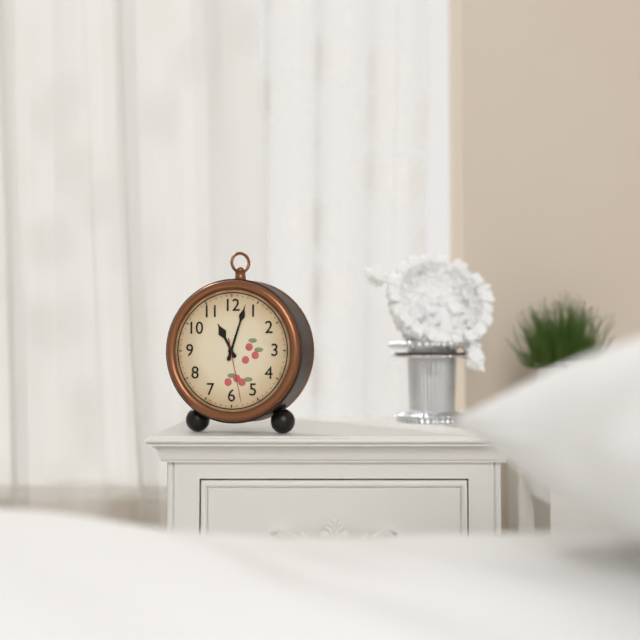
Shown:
h=11 m=3 s=28
